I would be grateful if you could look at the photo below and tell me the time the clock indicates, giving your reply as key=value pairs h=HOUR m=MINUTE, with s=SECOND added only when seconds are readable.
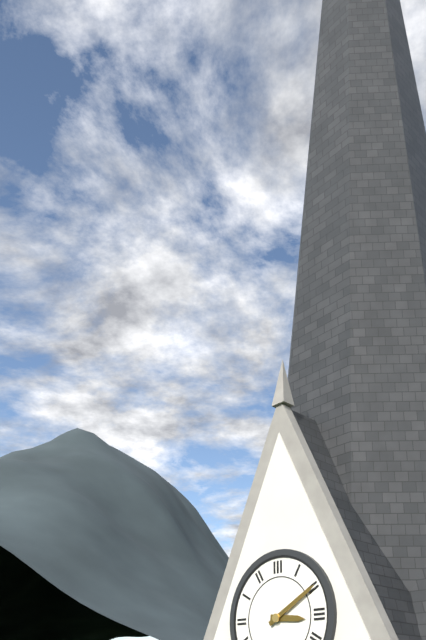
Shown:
h=3 m=10
